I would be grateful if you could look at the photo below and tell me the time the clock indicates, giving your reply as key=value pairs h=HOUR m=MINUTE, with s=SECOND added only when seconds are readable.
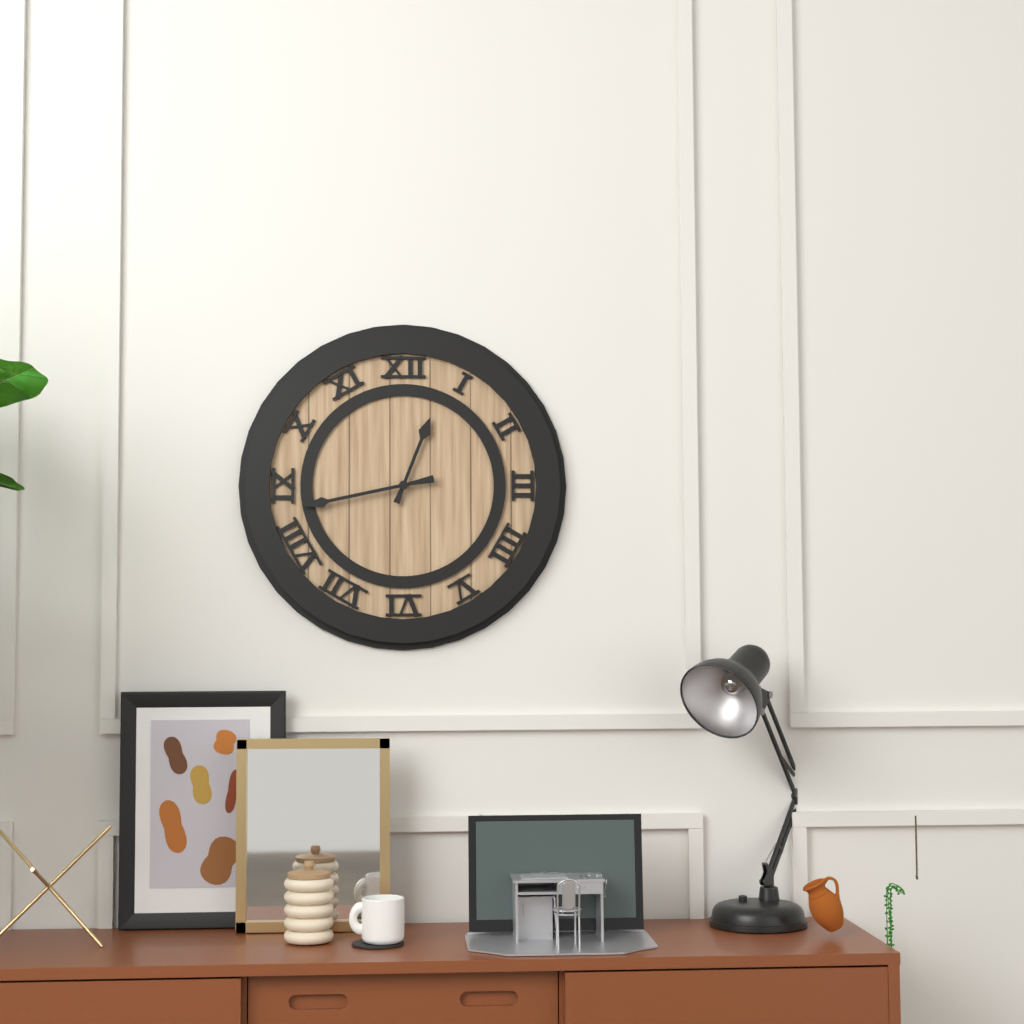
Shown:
h=12 m=43
